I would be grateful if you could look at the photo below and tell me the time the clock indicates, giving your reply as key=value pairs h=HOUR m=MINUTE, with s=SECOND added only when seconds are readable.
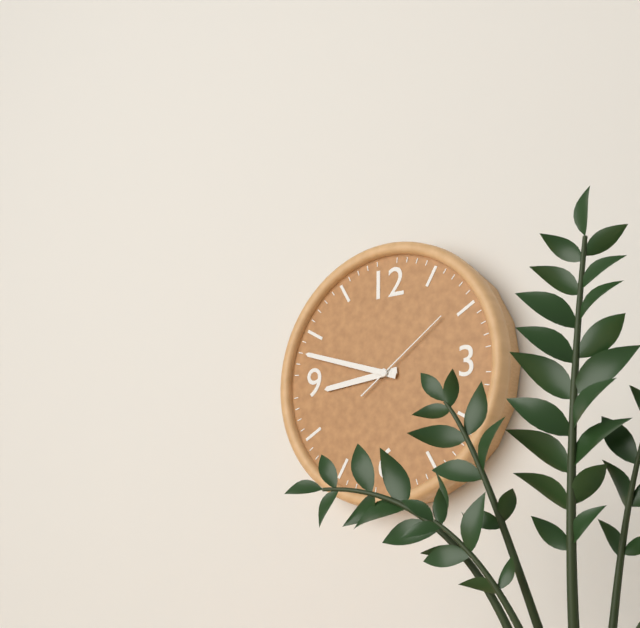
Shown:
h=8 m=48 s=9
